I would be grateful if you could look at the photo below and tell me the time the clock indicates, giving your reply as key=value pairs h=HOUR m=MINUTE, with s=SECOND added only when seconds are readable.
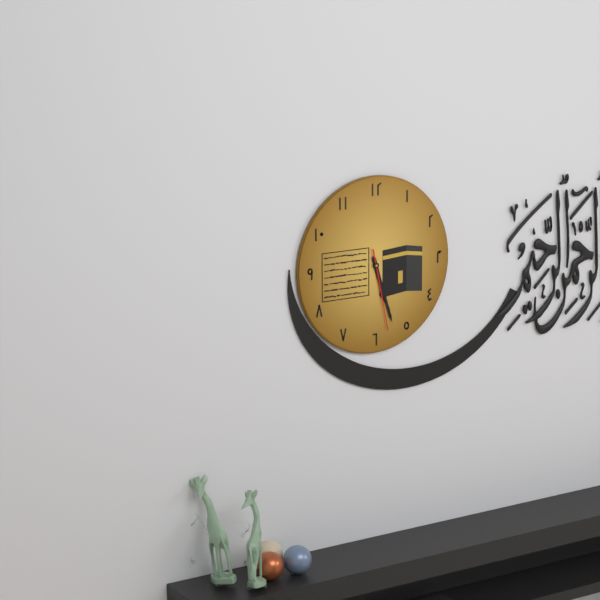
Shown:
h=5 m=27 s=28
